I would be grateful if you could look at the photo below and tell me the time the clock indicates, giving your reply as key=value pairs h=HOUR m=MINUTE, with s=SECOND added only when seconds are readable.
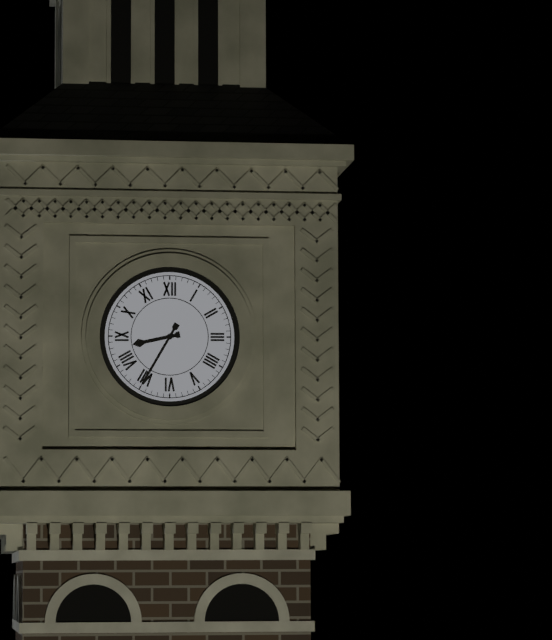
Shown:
h=8 m=35
